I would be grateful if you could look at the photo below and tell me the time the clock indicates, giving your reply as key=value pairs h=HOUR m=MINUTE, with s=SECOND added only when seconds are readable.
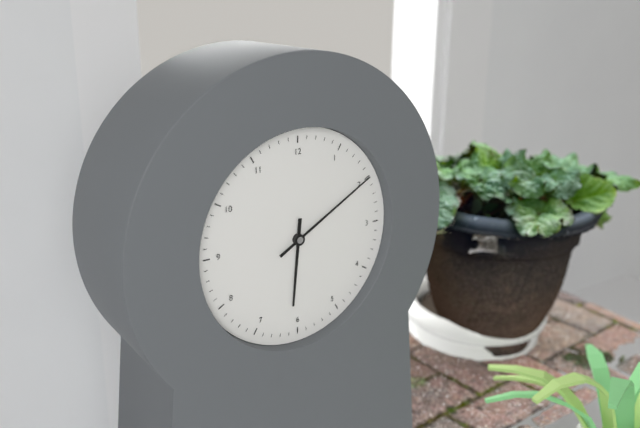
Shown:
h=6 m=10
